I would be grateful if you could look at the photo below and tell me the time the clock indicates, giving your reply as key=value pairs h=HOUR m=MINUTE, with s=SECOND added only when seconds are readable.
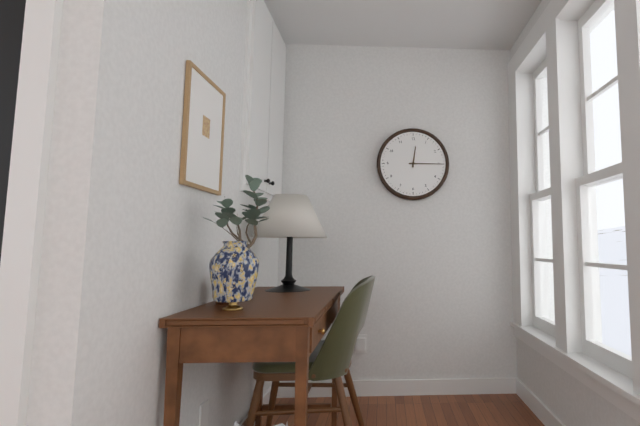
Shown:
h=12 m=15
